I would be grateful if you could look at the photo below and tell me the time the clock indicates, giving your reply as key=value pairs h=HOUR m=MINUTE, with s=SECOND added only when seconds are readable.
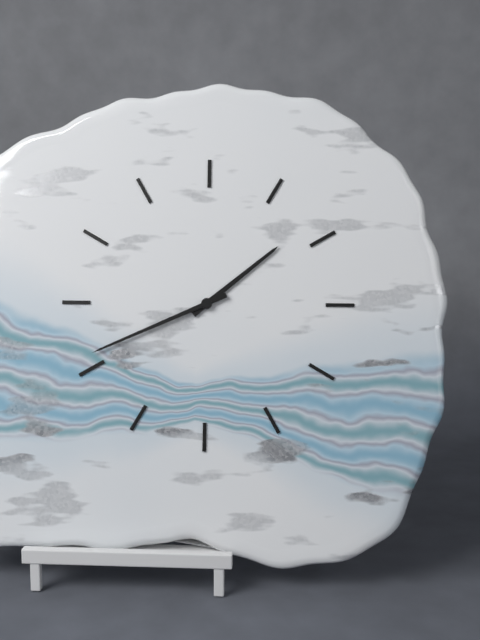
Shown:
h=1 m=41
